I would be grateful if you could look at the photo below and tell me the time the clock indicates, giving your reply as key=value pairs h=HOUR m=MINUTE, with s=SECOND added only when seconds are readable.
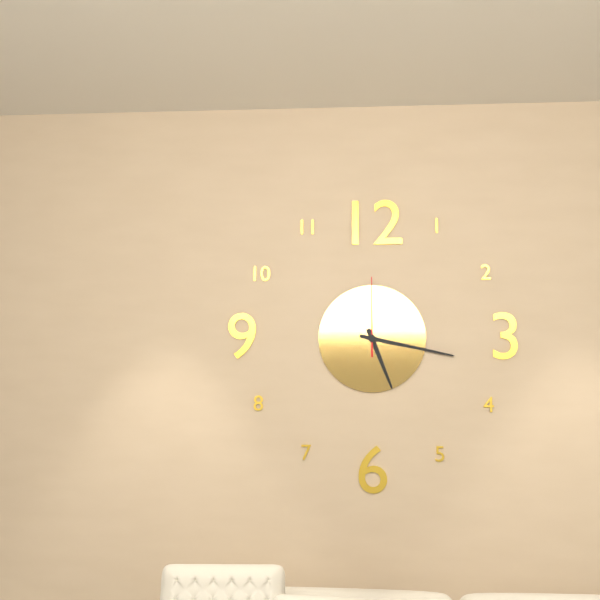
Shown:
h=5 m=17 s=0
